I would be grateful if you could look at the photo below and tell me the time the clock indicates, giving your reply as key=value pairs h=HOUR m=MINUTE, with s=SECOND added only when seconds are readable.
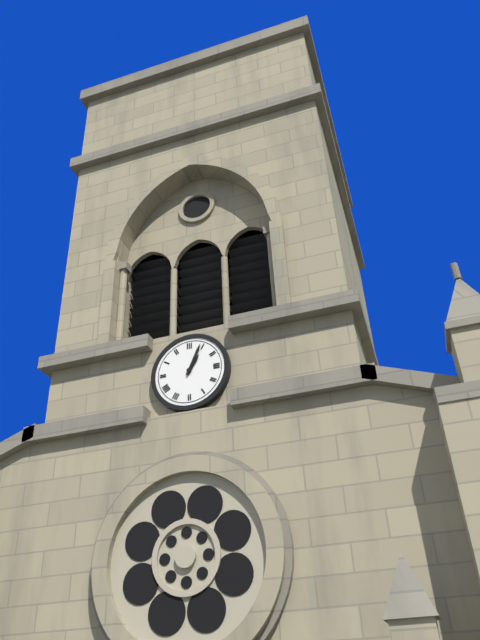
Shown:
h=1 m=4
